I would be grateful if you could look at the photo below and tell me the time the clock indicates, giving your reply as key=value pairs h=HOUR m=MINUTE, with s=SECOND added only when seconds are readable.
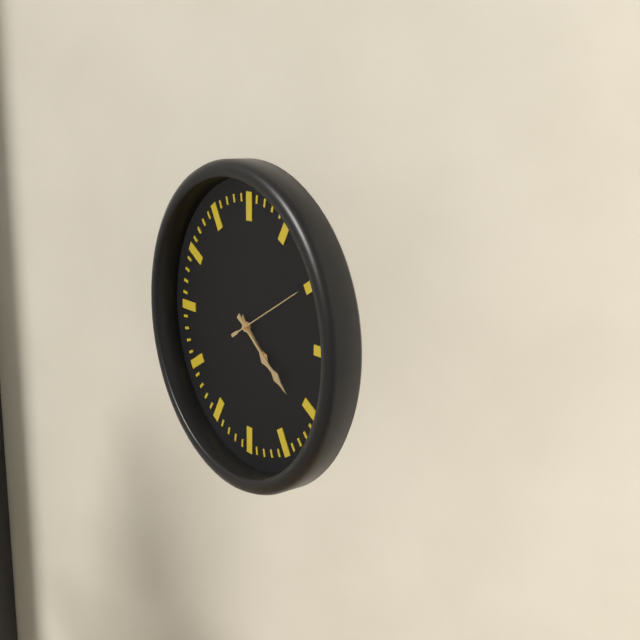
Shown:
h=4 m=21 s=10
